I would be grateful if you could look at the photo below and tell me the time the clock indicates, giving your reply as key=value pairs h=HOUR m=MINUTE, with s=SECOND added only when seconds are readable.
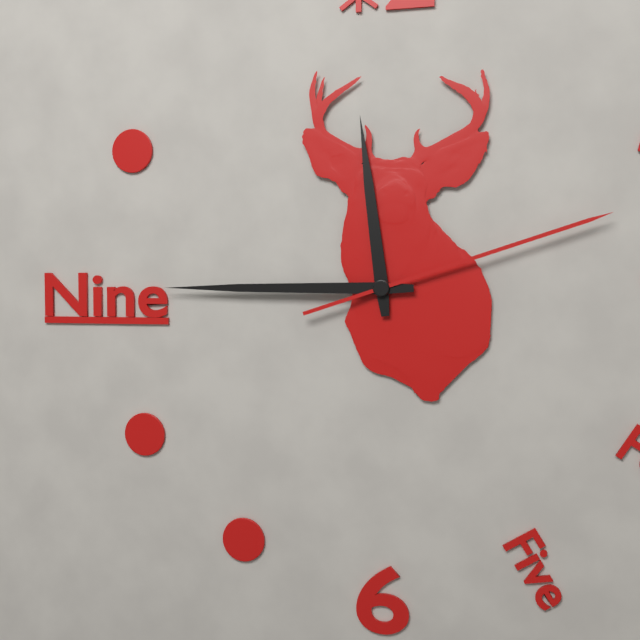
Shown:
h=11 m=45 s=12
